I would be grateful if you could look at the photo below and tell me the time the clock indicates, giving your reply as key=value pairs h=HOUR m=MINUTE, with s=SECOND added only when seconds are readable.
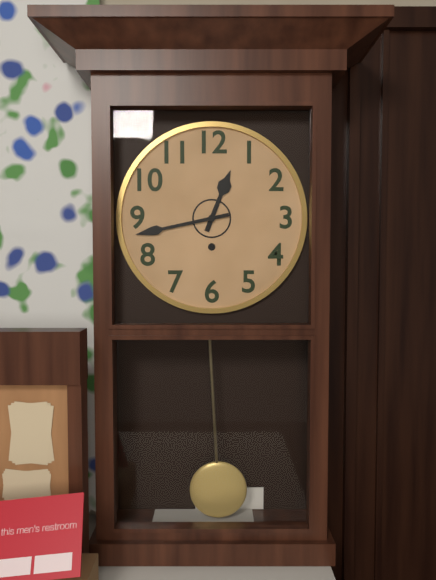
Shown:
h=12 m=43
